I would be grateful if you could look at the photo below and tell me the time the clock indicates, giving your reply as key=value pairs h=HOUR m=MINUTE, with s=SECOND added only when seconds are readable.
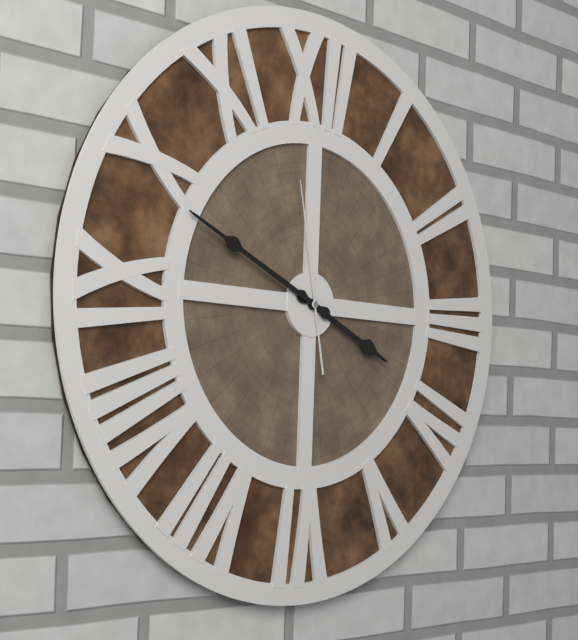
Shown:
h=3 m=49 s=58
